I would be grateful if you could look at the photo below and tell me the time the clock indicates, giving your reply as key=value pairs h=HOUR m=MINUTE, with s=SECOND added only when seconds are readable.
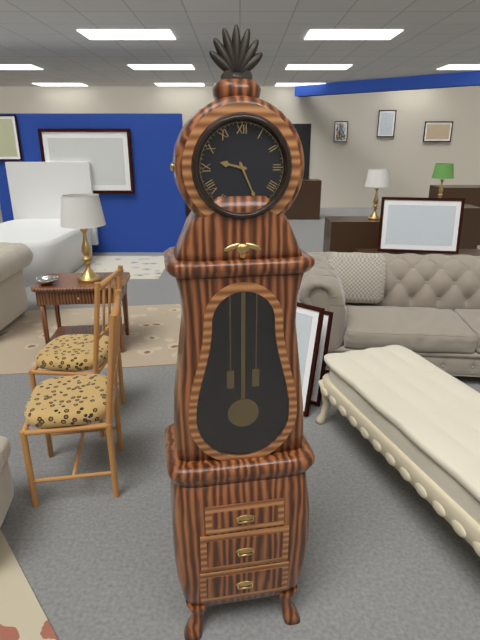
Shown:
h=9 m=26
